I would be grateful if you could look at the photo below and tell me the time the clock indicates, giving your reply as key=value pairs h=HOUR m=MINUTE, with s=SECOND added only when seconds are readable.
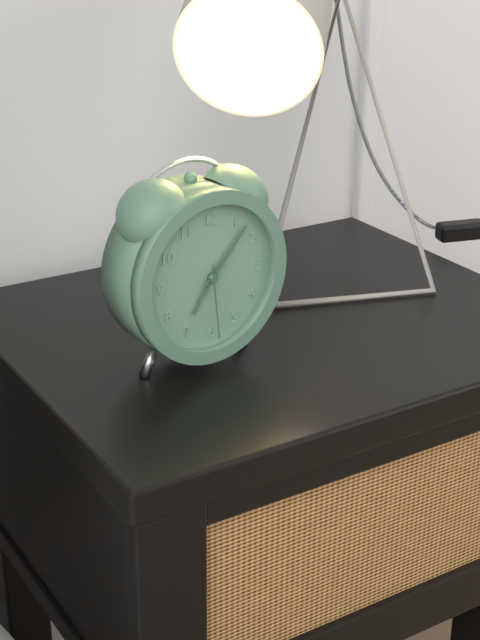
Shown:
h=7 m=7 s=29
